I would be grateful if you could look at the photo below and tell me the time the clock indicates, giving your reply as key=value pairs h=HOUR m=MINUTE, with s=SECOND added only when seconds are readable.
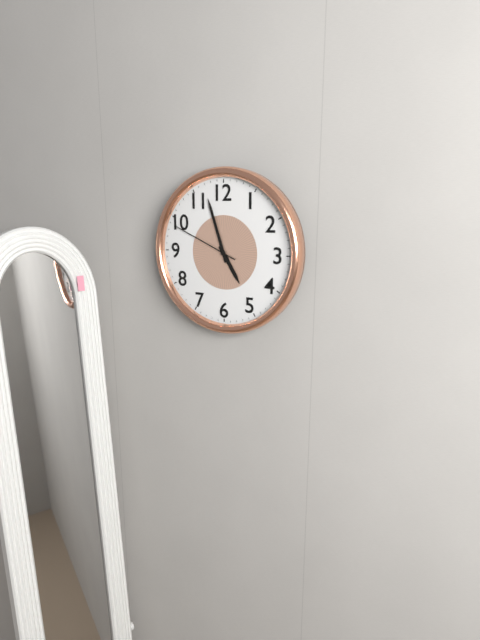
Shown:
h=4 m=57 s=49
